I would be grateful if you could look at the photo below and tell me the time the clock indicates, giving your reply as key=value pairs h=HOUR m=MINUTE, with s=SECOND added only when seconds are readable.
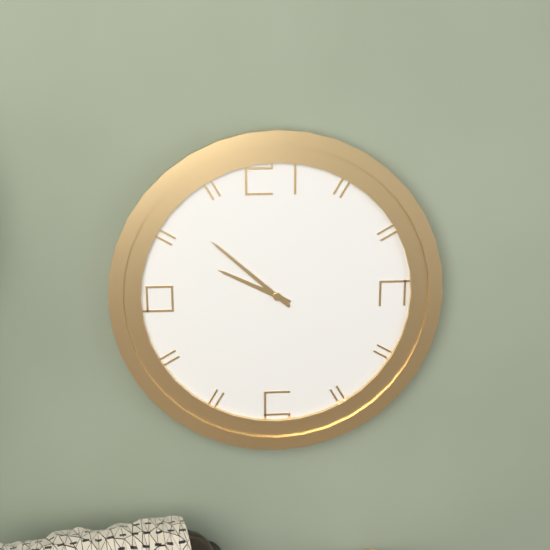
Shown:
h=9 m=52
